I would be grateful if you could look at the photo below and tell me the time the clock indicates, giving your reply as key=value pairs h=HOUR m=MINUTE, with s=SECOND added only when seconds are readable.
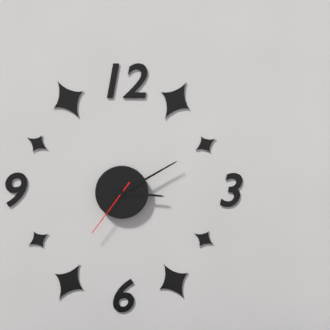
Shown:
h=3 m=10 s=36
